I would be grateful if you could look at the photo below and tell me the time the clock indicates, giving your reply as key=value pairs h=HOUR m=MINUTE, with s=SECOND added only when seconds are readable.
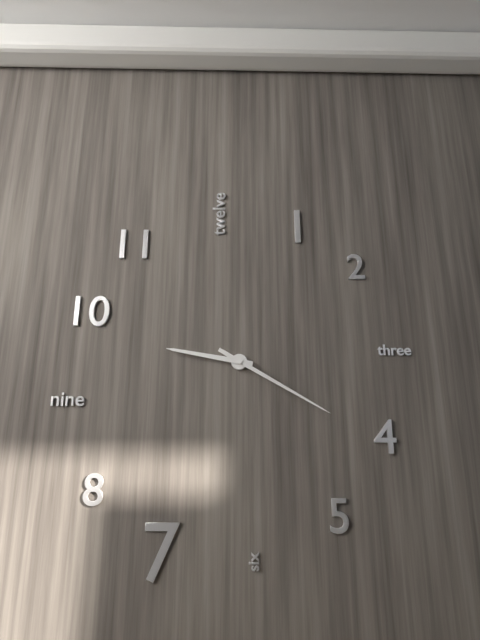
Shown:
h=9 m=20
